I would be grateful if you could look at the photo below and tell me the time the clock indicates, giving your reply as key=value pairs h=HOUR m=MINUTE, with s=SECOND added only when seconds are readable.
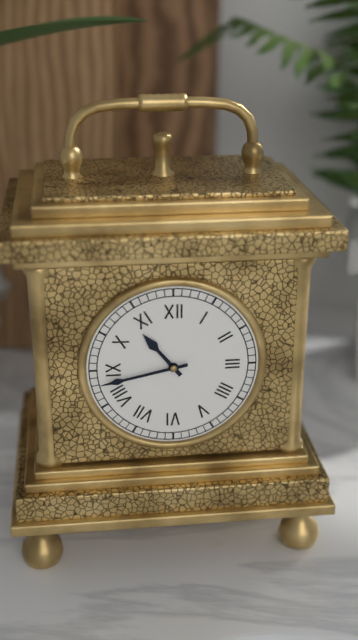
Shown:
h=10 m=43
